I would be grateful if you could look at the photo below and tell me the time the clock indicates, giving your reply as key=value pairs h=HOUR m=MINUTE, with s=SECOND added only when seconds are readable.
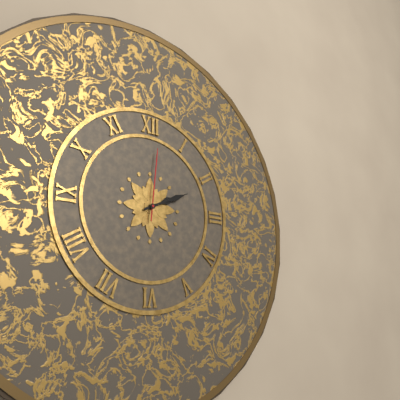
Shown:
h=2 m=11 s=1
